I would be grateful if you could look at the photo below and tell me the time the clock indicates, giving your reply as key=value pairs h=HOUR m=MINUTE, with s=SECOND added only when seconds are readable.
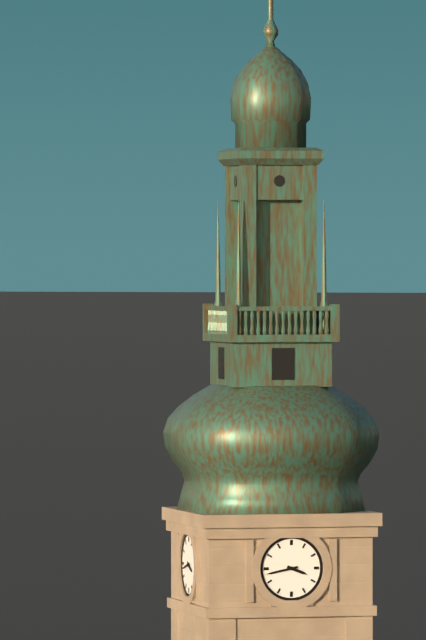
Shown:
h=3 m=43
